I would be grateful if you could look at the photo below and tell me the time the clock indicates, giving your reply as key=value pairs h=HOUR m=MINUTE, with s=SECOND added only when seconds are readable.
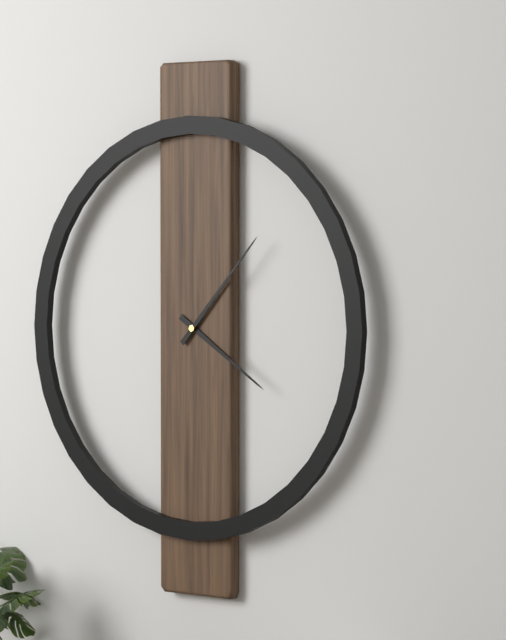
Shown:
h=4 m=7
